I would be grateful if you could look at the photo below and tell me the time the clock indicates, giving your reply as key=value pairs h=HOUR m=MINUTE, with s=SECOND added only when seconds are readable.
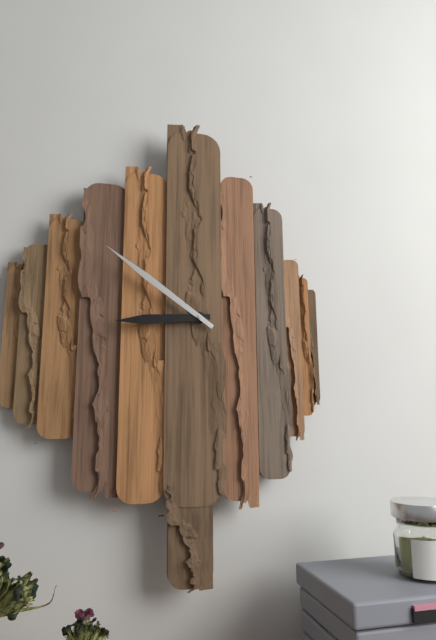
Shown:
h=8 m=51
